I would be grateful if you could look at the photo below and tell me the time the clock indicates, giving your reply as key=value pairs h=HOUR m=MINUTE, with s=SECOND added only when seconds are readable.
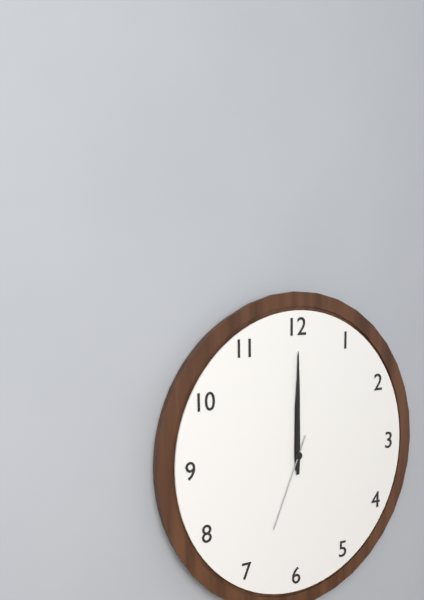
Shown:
h=12 m=0 s=34
